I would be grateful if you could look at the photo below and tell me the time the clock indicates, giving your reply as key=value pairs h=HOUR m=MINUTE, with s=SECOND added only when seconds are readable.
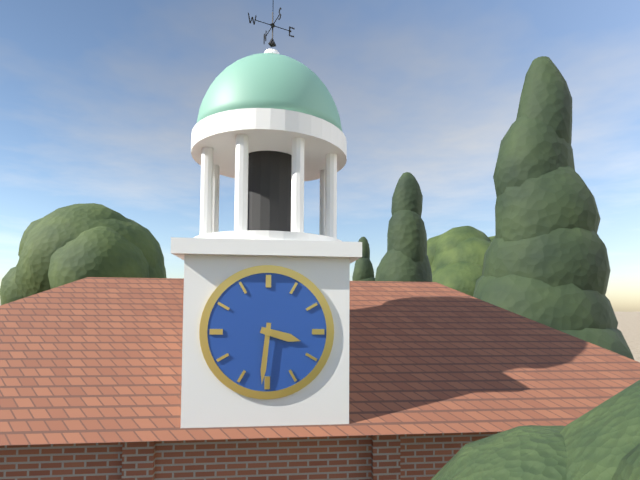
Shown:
h=3 m=31
